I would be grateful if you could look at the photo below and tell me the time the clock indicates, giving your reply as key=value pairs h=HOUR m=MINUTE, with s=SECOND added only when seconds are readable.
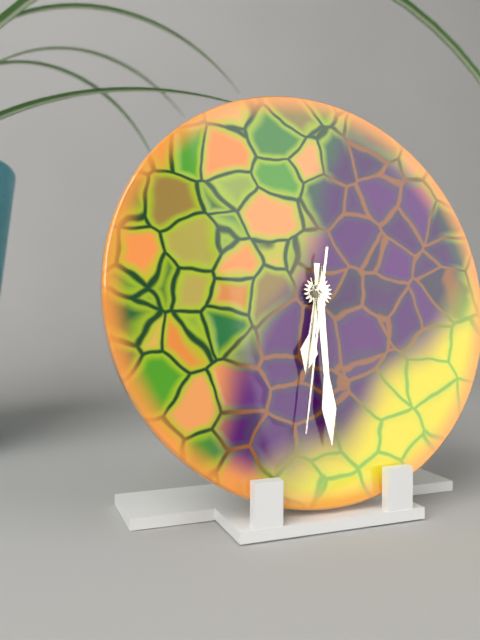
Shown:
h=6 m=30 s=32
